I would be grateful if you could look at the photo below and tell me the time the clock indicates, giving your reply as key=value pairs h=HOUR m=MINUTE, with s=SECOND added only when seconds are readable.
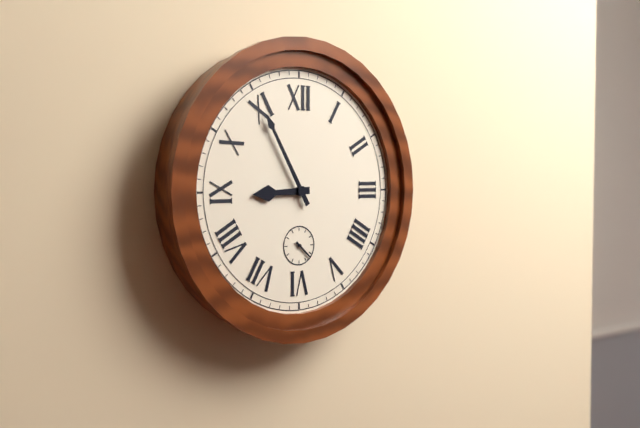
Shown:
h=8 m=55
